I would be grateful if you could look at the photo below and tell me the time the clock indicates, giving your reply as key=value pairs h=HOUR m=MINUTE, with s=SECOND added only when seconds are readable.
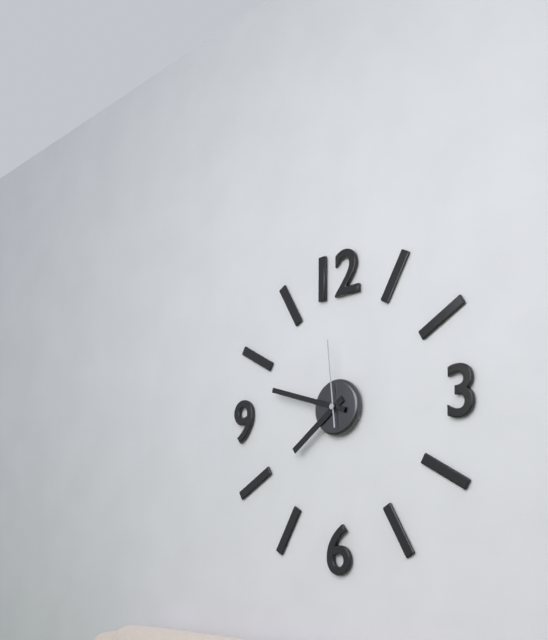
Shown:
h=7 m=48 s=59
